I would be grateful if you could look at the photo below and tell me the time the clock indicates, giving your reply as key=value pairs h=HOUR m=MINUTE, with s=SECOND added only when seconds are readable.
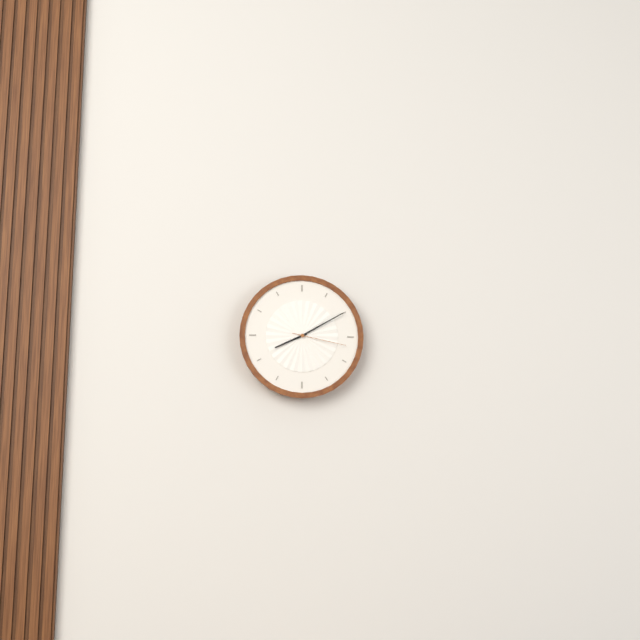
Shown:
h=8 m=10 s=17
